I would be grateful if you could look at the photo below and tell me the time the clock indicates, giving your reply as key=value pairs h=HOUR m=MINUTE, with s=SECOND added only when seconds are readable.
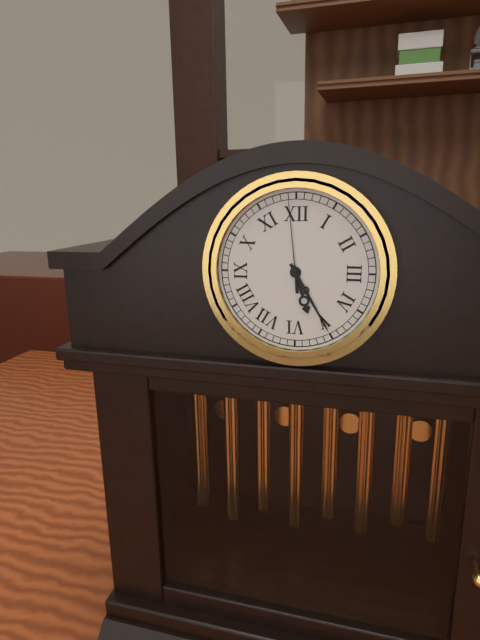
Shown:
h=5 m=25 s=59
